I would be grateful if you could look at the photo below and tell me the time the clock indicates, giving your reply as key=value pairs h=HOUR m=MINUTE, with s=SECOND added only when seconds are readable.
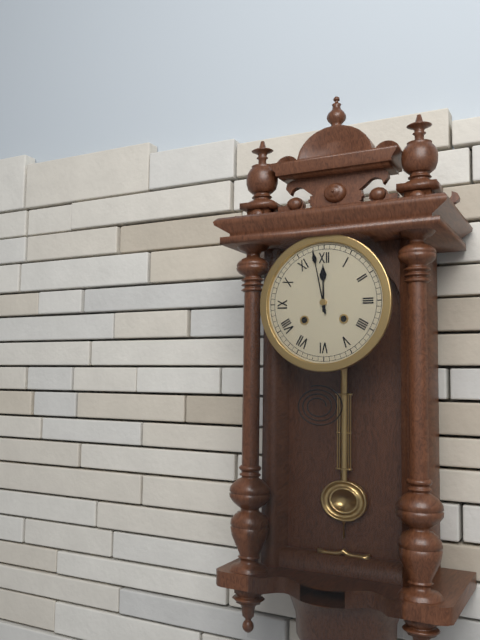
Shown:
h=11 m=58
